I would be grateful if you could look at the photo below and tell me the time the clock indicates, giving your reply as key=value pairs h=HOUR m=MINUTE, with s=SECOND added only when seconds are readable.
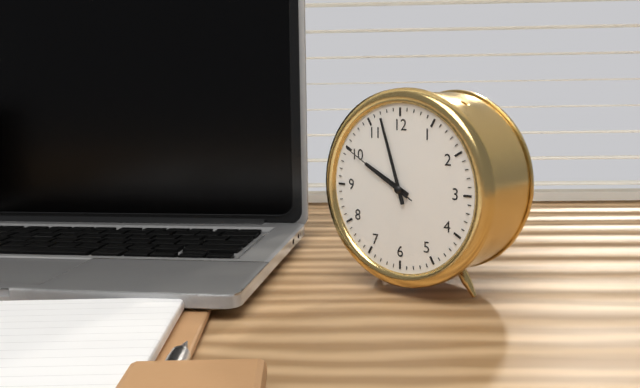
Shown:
h=9 m=57 s=50
